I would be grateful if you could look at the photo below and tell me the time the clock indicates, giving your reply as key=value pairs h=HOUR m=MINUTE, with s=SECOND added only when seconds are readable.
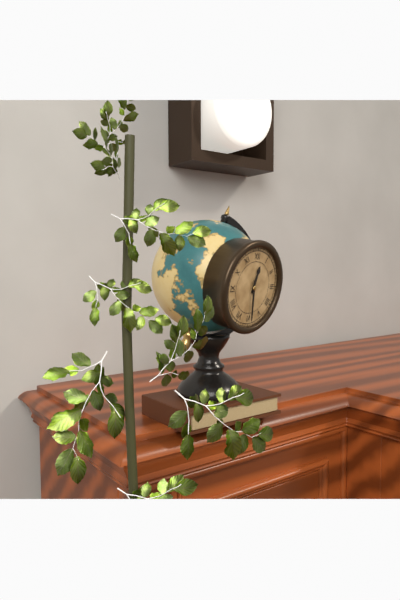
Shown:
h=12 m=29
